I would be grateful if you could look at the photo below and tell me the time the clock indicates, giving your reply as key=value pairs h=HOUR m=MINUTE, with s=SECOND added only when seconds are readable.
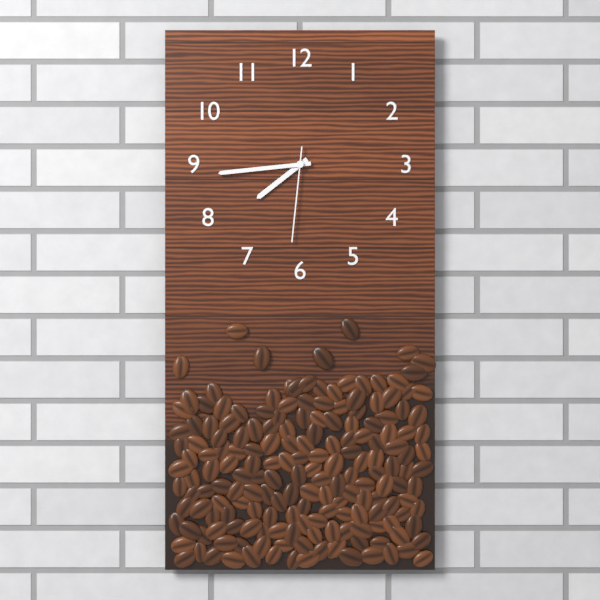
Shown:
h=7 m=44 s=31
